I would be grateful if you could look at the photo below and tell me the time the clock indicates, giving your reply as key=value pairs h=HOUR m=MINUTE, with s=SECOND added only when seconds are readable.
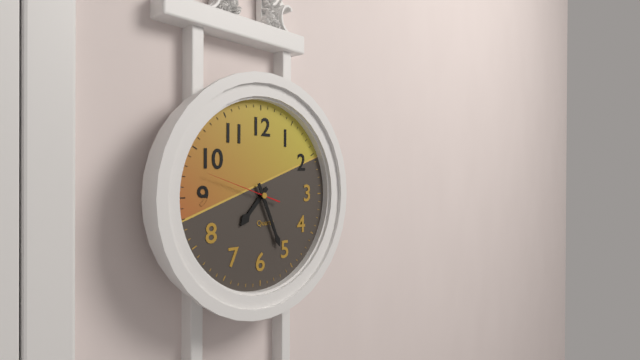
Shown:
h=7 m=26 s=48
